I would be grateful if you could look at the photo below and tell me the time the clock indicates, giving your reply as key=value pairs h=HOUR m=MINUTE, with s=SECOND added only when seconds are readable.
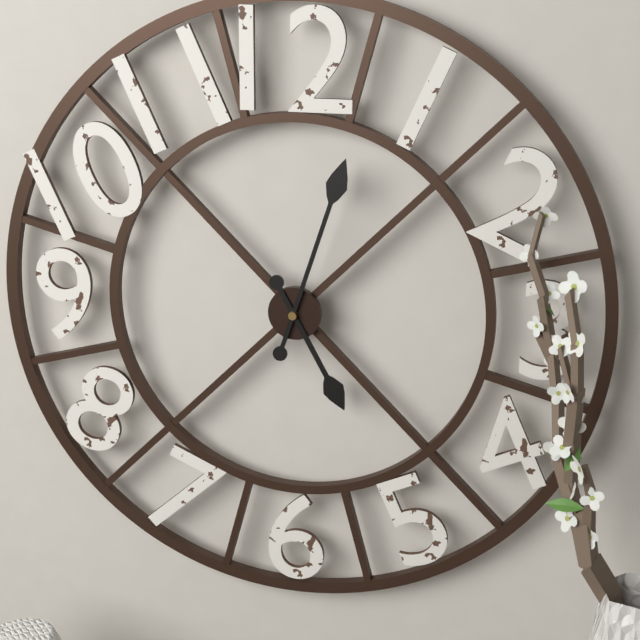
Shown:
h=5 m=3
